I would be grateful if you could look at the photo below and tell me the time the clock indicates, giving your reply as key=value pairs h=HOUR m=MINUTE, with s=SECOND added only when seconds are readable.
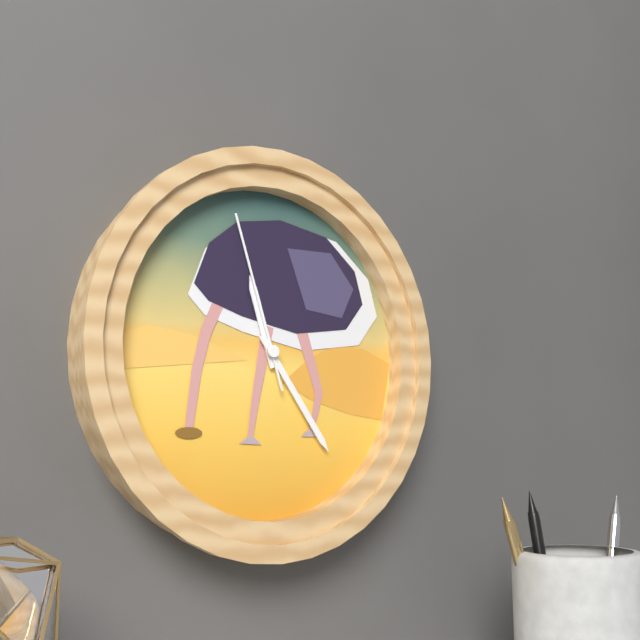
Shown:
h=11 m=24 s=57
